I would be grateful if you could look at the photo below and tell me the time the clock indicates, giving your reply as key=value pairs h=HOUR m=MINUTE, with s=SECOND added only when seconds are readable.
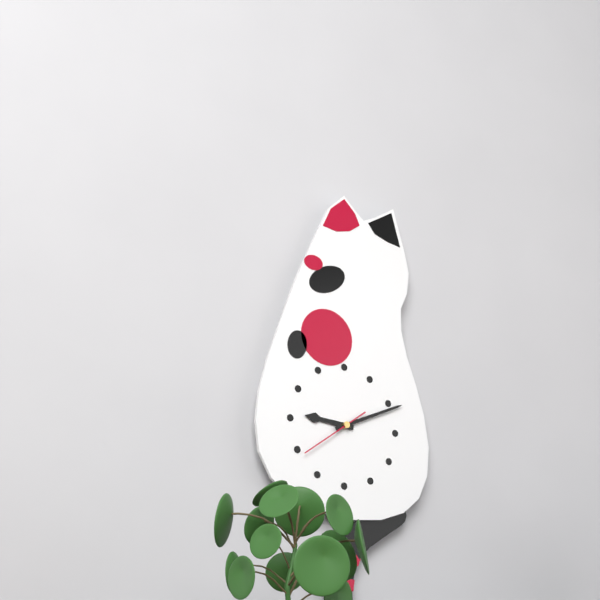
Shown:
h=9 m=11 s=39
